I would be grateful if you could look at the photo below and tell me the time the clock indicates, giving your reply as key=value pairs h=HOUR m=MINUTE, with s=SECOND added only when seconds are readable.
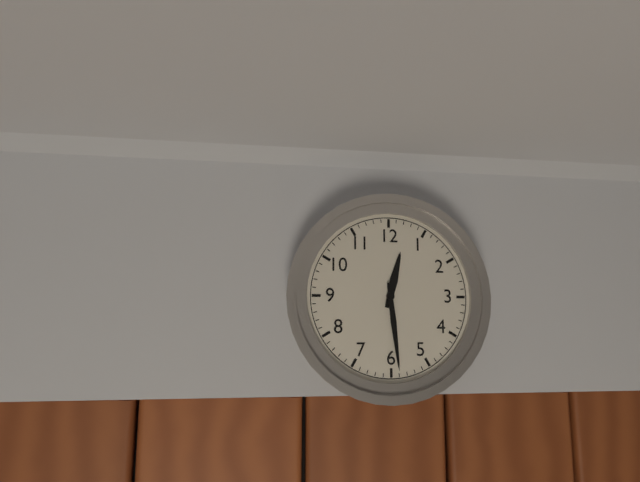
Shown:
h=12 m=29
